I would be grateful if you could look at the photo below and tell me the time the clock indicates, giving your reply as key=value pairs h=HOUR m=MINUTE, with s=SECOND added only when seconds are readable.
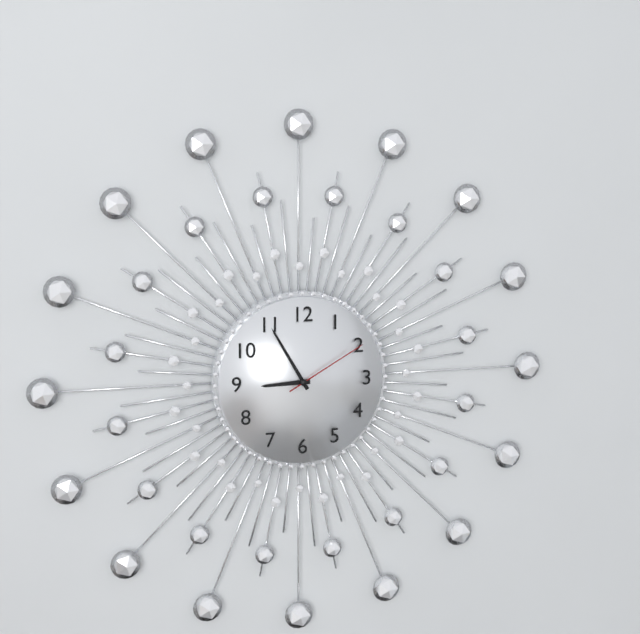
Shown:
h=8 m=55 s=10
